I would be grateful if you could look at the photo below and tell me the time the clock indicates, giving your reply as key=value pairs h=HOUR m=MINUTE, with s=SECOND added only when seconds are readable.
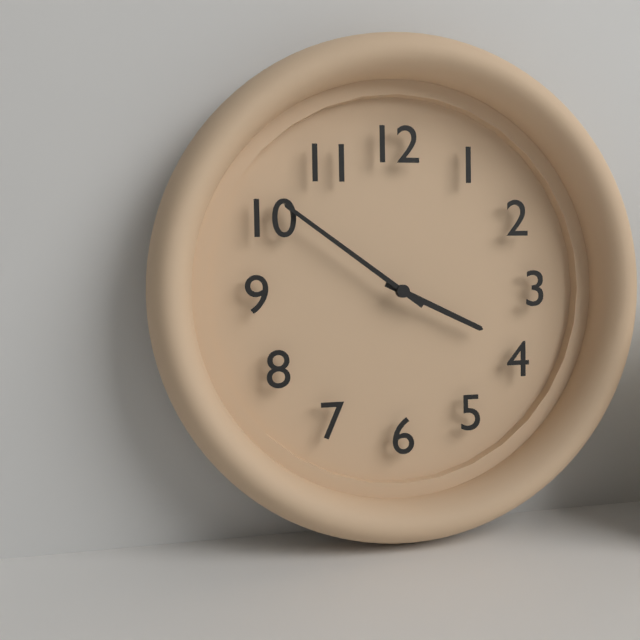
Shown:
h=3 m=51
